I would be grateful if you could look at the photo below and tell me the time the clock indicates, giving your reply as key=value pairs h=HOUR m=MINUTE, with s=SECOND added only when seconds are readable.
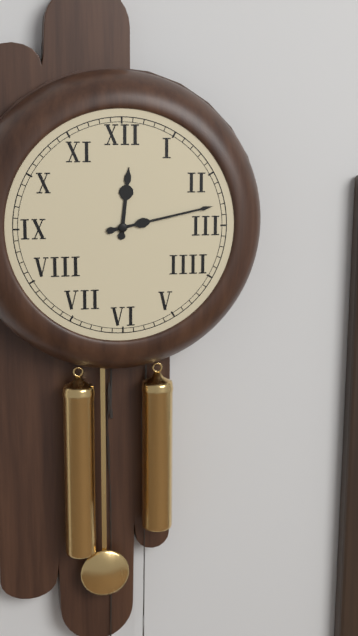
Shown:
h=12 m=13
